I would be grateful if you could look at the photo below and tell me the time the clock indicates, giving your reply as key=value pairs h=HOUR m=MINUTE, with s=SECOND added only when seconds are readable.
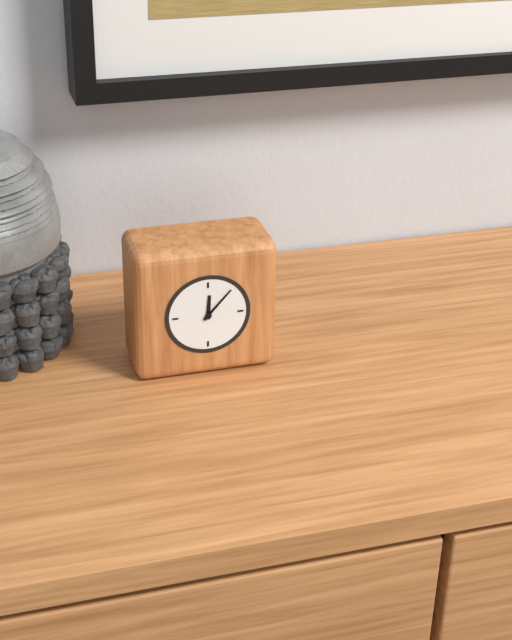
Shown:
h=12 m=7
